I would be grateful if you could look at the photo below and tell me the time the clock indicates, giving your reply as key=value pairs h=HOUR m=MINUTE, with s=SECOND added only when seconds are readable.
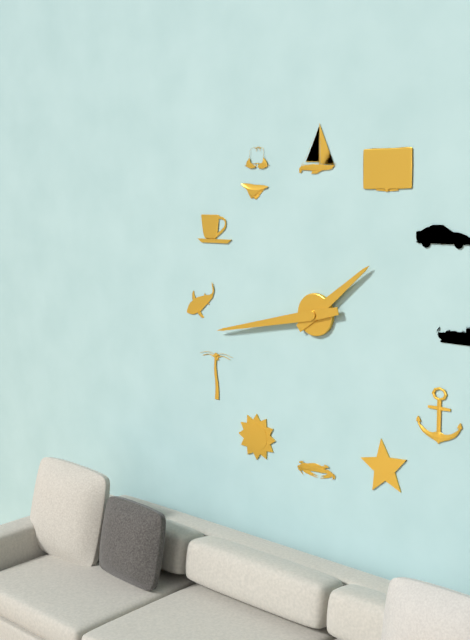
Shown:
h=1 m=43
